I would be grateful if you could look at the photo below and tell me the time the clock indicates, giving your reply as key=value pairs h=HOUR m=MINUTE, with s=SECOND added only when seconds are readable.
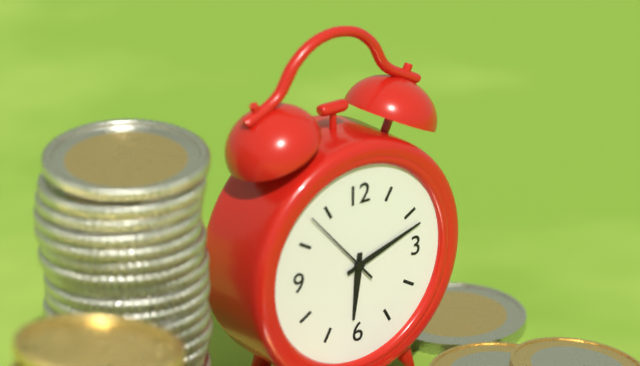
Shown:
h=6 m=12
